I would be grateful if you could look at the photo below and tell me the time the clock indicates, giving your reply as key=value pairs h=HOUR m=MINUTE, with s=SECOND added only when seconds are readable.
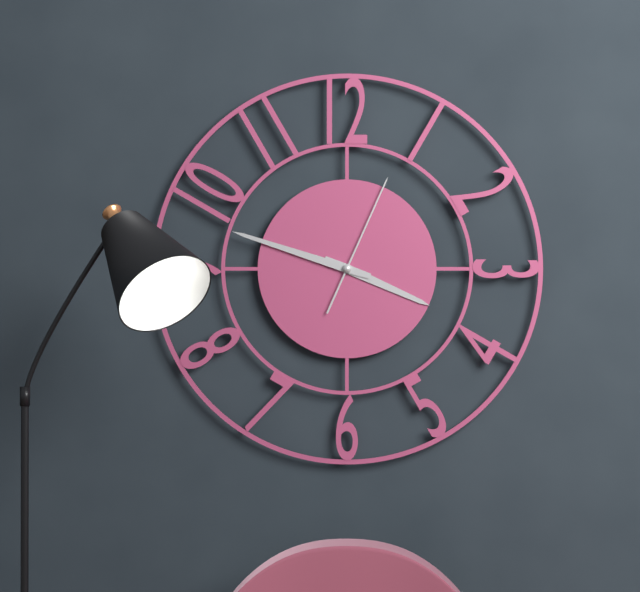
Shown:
h=3 m=48 s=4
